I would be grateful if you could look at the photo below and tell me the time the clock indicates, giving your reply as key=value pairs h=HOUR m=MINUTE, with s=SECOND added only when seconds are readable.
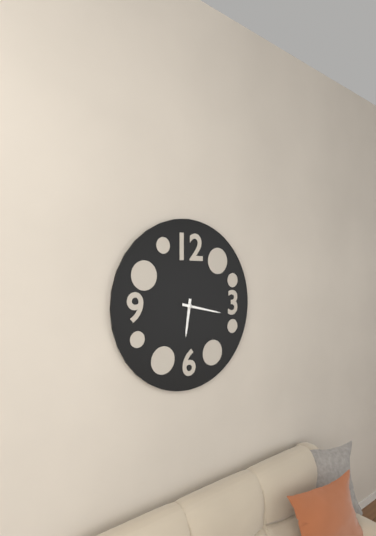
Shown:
h=6 m=17
